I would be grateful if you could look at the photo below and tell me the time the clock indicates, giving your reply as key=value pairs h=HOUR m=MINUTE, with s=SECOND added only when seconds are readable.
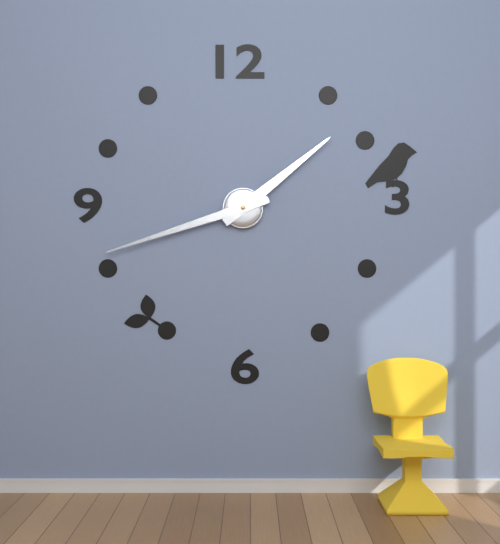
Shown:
h=1 m=42
